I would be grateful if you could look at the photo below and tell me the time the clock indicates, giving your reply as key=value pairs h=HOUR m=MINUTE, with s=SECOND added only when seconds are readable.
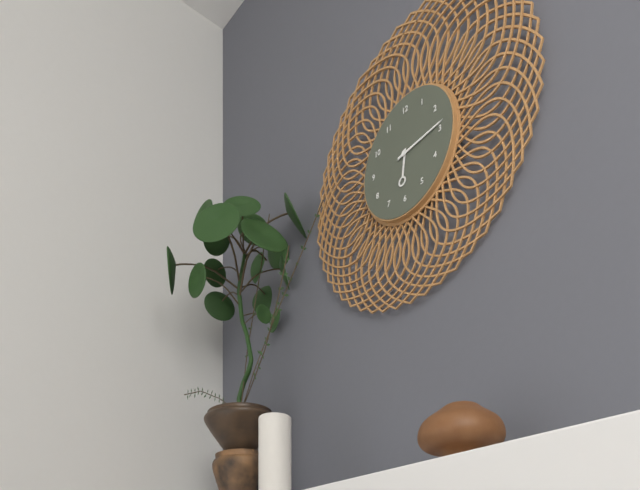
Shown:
h=6 m=14
